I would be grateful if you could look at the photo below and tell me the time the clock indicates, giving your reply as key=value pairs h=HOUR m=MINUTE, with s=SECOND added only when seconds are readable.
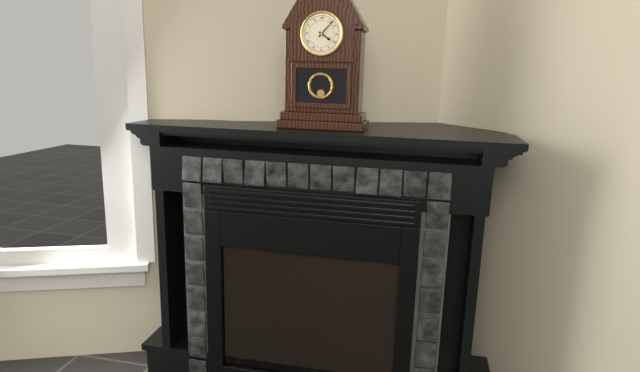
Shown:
h=4 m=7
